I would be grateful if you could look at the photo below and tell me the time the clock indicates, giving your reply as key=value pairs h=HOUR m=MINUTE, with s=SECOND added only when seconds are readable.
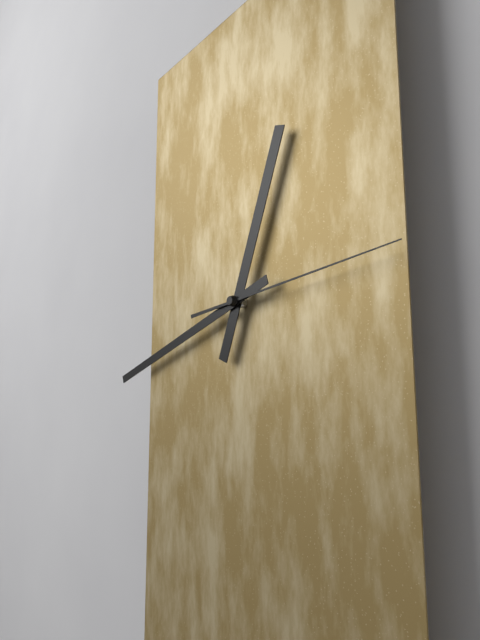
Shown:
h=12 m=42 s=14
